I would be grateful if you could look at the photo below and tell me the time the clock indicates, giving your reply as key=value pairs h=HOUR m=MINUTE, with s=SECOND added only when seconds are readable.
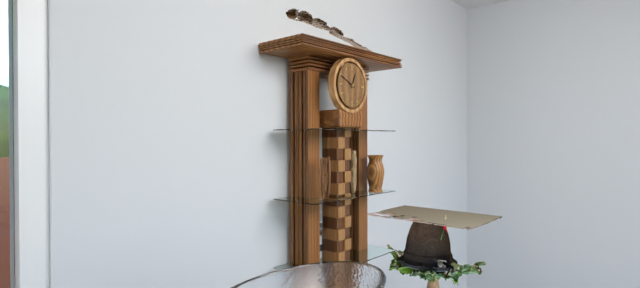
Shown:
h=12 m=49
